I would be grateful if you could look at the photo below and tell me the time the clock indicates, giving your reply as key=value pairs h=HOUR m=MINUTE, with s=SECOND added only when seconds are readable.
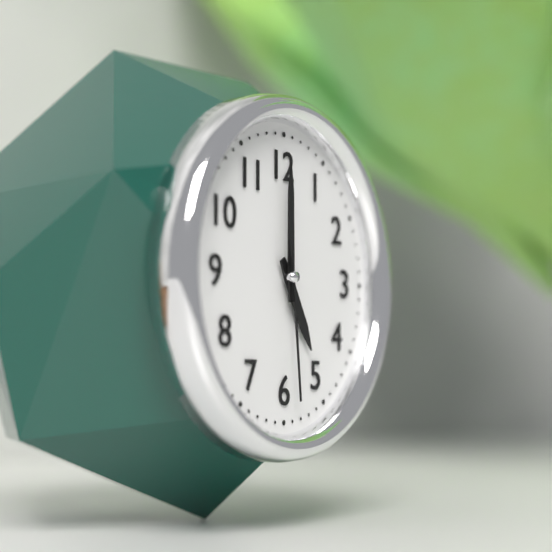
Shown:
h=5 m=0 s=29
